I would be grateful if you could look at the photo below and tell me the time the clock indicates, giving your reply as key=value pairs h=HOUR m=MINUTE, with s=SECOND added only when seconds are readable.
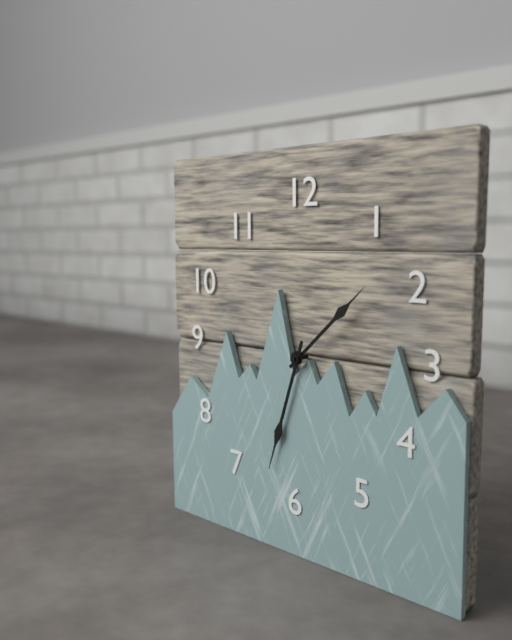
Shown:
h=1 m=33
